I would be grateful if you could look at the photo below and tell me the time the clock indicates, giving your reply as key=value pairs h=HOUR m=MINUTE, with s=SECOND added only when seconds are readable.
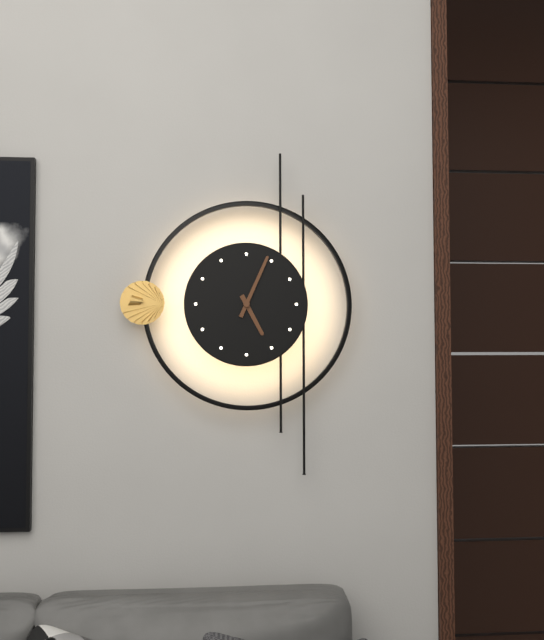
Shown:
h=5 m=4
